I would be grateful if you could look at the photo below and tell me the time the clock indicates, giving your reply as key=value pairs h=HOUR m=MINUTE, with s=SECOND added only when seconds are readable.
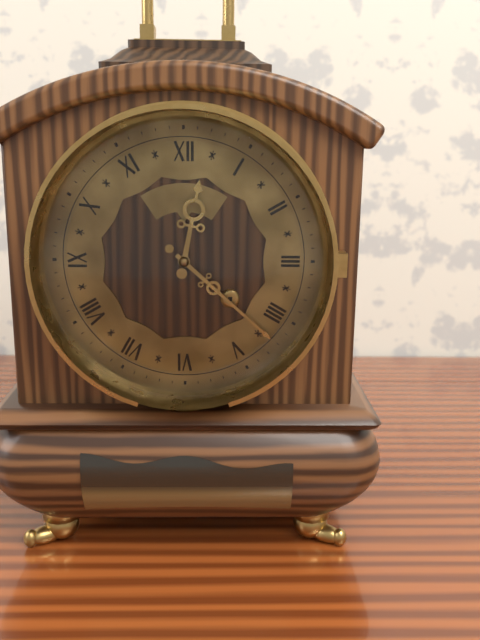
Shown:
h=12 m=22
